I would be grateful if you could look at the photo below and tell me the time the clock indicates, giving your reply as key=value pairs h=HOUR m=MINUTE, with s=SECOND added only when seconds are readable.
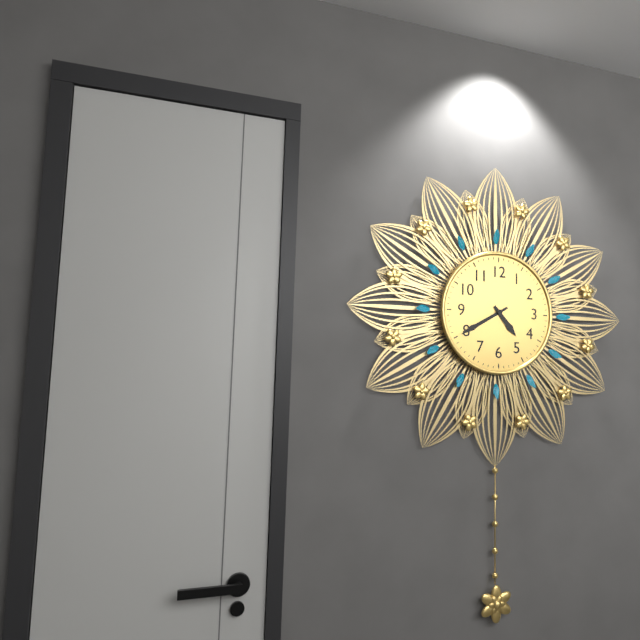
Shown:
h=4 m=40
